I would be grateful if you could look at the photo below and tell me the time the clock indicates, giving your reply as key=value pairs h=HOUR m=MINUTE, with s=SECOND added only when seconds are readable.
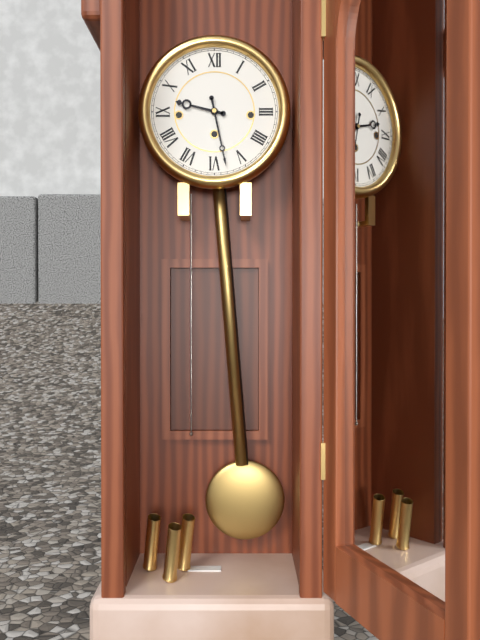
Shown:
h=9 m=28
